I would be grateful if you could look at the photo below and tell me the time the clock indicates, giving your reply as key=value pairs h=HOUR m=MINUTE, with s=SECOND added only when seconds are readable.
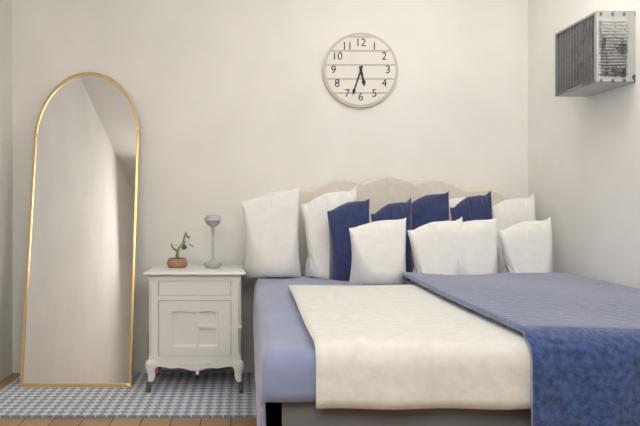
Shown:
h=5 m=33
